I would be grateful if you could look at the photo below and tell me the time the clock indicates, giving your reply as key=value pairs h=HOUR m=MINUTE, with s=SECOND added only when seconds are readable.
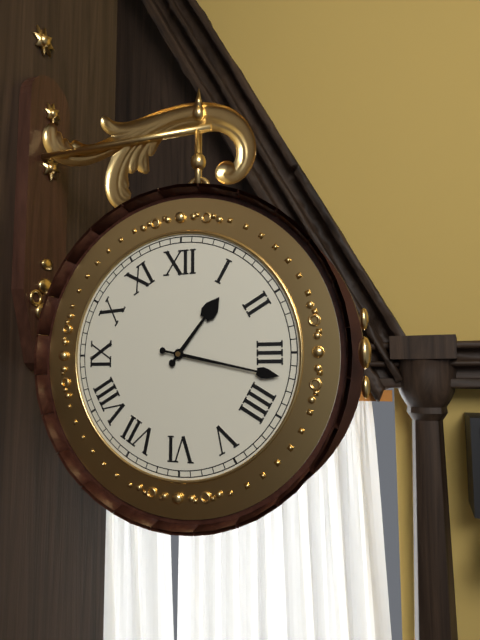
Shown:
h=1 m=17
